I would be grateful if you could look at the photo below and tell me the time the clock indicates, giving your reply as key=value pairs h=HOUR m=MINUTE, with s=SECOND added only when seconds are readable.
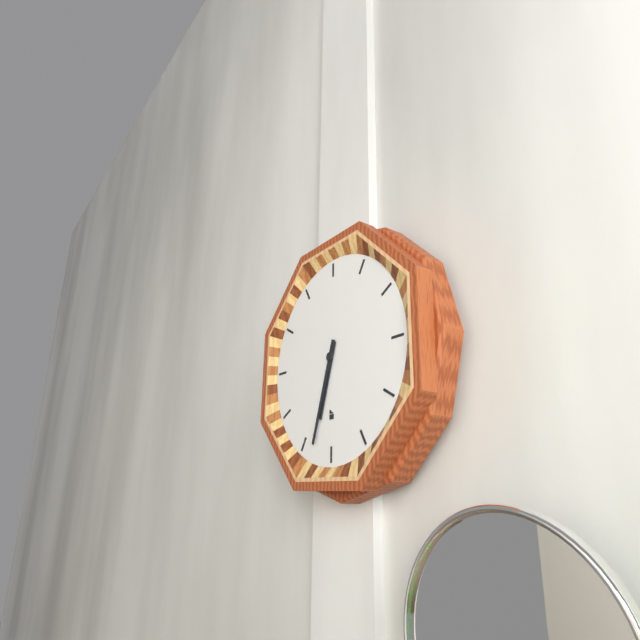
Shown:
h=6 m=33
